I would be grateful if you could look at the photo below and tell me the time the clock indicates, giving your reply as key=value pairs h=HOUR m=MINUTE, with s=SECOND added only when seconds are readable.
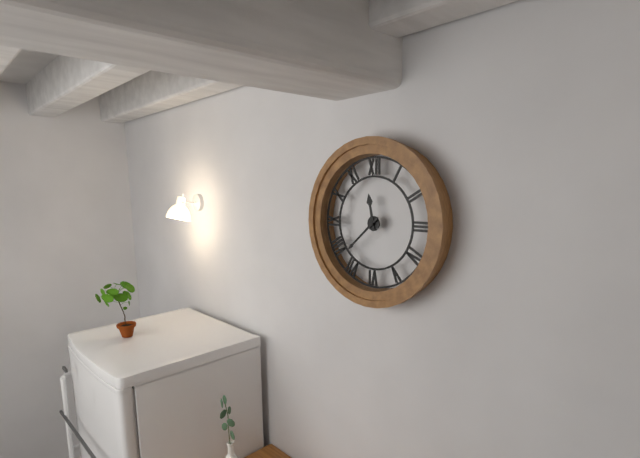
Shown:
h=11 m=38
